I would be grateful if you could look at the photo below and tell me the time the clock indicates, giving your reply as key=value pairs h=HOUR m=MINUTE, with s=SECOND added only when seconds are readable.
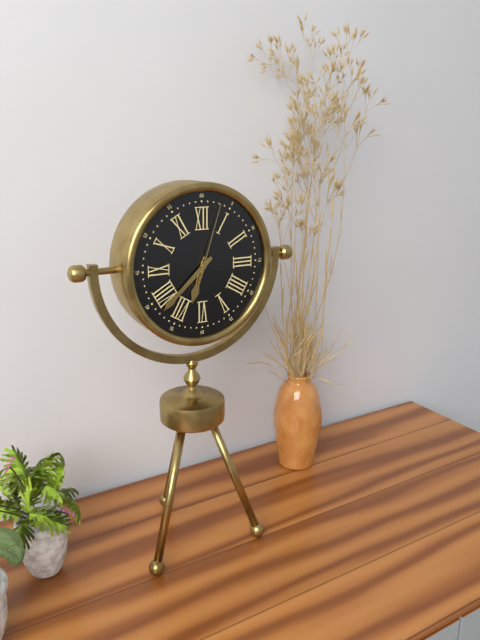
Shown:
h=6 m=38 s=3
